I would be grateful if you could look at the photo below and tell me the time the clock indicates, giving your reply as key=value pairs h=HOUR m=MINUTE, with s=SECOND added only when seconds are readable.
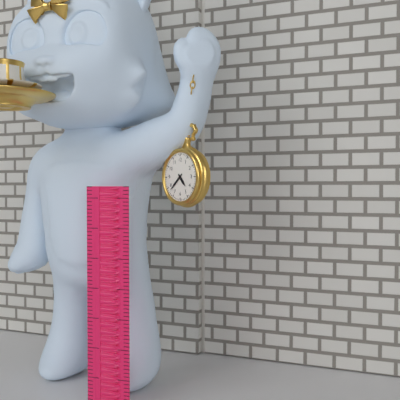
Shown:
h=4 m=38
